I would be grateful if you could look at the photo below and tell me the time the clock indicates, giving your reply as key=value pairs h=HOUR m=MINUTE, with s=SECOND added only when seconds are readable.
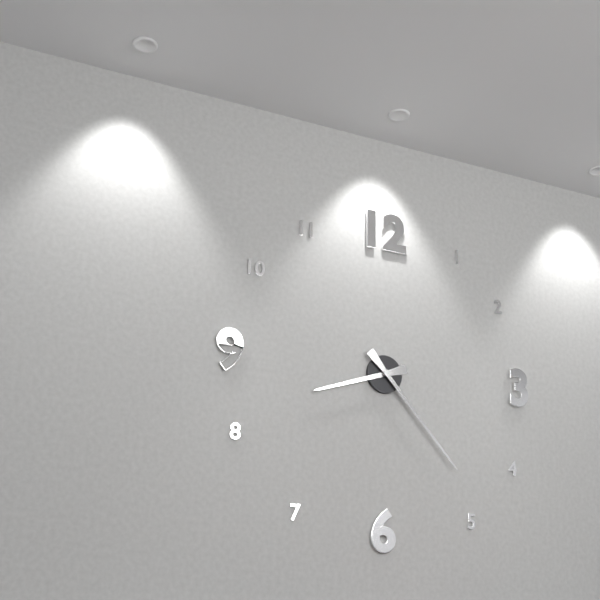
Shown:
h=8 m=23
